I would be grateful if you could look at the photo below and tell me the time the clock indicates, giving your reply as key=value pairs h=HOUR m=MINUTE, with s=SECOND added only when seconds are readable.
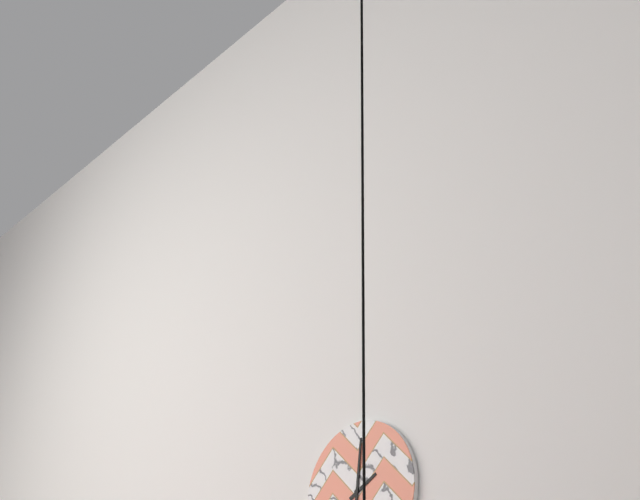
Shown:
h=2 m=1
